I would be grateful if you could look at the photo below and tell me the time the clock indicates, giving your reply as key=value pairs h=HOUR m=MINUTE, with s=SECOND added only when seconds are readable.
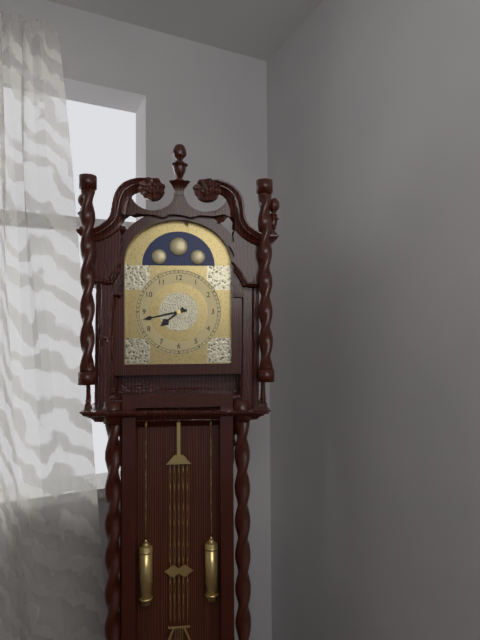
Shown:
h=7 m=43
